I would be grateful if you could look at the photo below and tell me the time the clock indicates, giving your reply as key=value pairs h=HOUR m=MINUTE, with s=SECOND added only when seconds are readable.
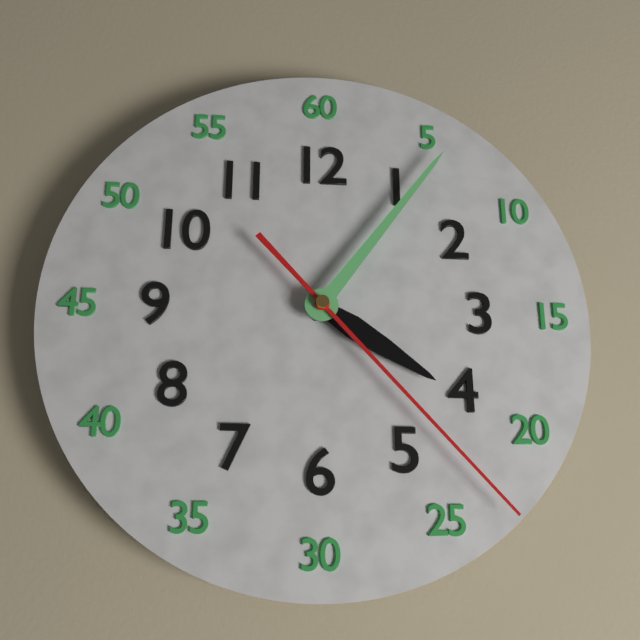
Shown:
h=4 m=6 s=23
